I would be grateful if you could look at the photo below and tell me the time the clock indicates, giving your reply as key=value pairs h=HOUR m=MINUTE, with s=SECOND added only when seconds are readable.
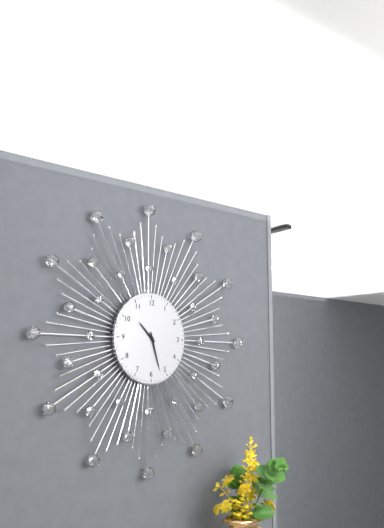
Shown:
h=10 m=27
